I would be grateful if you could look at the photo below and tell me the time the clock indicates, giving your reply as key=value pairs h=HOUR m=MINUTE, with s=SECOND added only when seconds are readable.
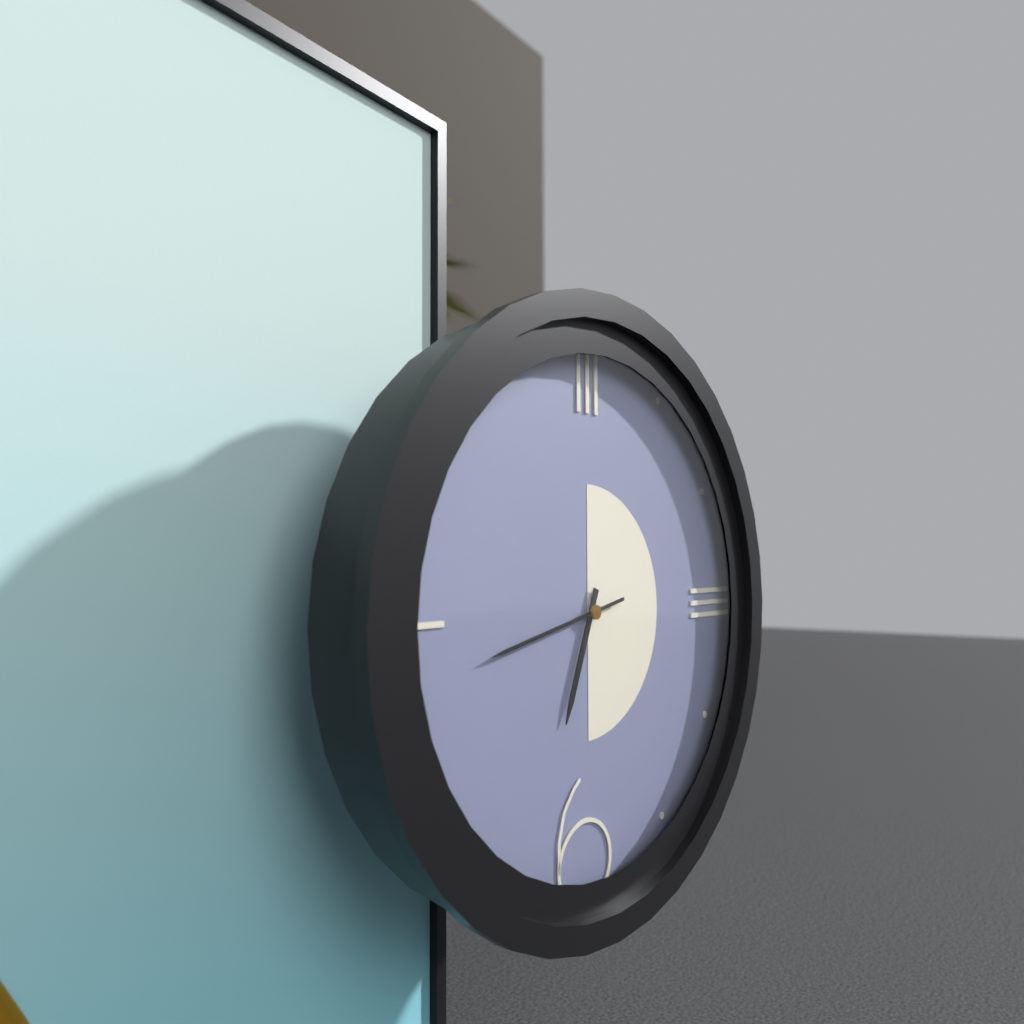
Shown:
h=6 m=43
